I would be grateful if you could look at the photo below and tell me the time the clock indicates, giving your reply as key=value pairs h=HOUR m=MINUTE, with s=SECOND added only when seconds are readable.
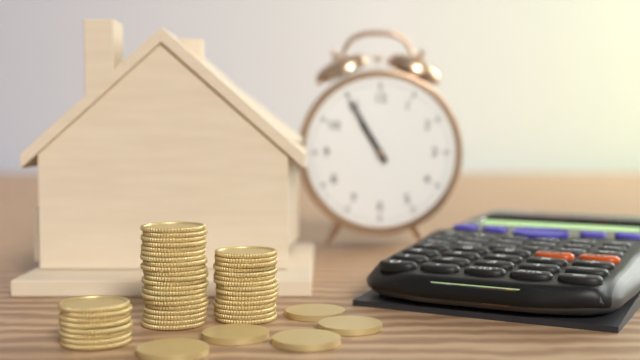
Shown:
h=10 m=55
